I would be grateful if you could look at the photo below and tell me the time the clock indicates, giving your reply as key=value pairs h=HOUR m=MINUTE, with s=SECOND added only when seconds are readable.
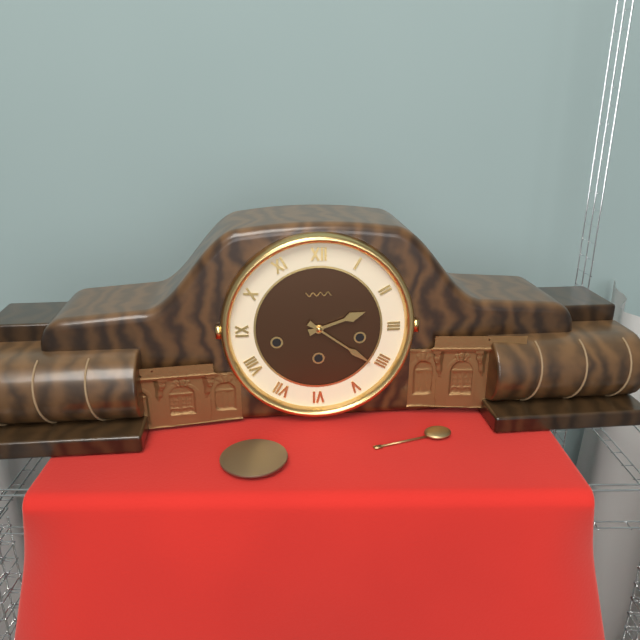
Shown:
h=2 m=21
